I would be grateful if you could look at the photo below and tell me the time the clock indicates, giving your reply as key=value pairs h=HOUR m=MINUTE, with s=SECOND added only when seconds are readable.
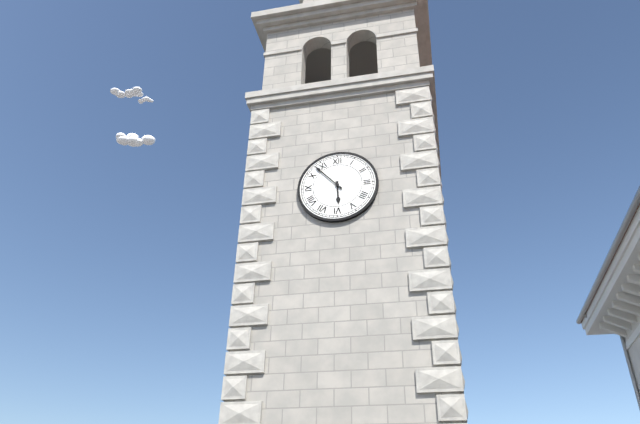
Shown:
h=5 m=53
